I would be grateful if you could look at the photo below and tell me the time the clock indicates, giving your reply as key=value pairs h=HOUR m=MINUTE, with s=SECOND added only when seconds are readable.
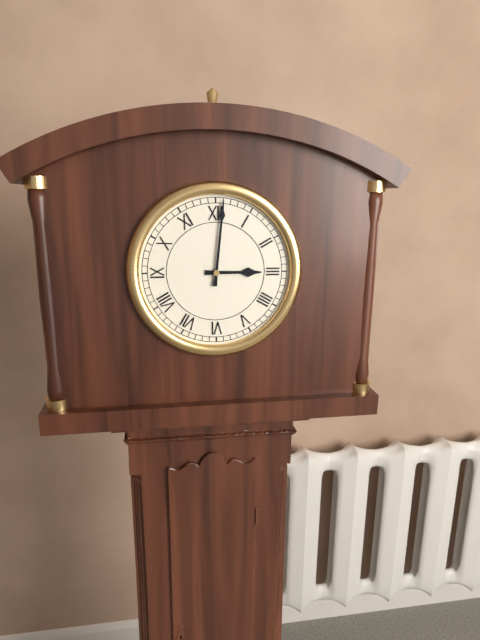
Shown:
h=3 m=1
